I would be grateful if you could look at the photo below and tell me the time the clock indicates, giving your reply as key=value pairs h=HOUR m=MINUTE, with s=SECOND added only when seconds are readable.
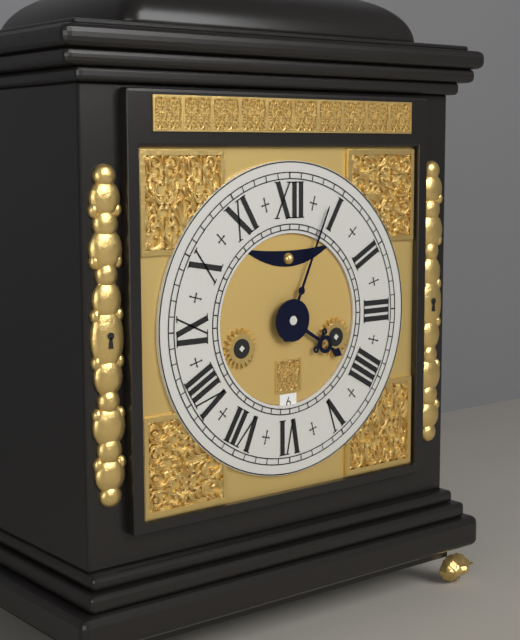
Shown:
h=4 m=4
